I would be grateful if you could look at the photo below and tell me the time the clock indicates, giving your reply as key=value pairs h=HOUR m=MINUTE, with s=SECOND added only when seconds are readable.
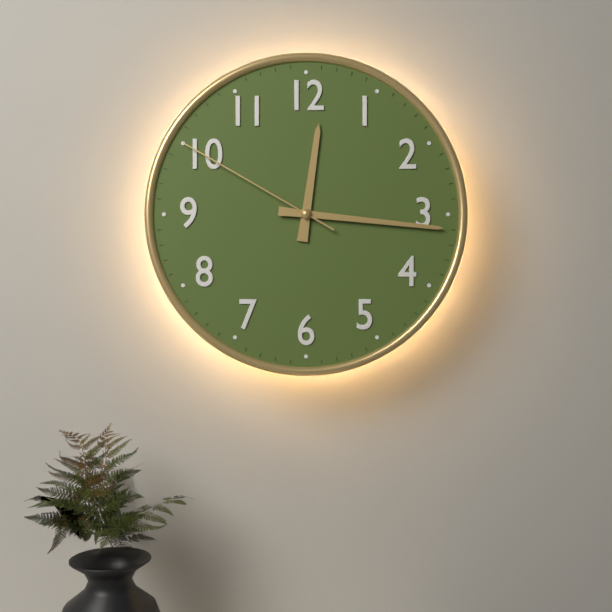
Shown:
h=12 m=16 s=50
